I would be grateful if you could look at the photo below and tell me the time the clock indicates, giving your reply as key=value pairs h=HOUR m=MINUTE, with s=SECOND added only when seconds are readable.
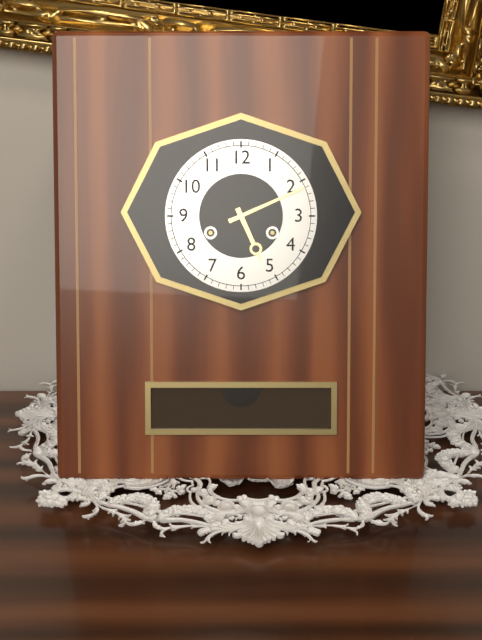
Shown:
h=5 m=11
